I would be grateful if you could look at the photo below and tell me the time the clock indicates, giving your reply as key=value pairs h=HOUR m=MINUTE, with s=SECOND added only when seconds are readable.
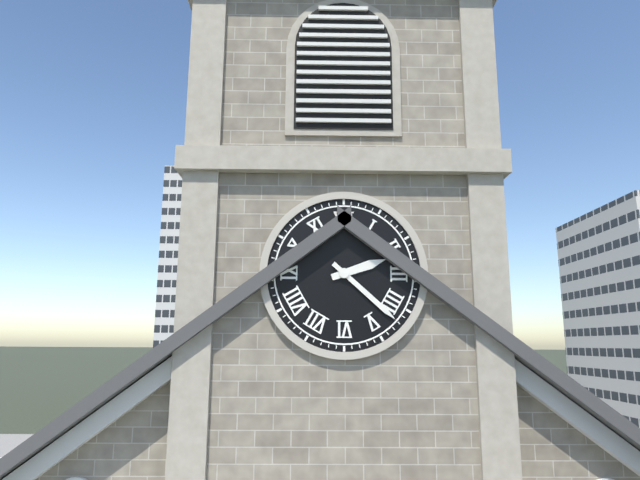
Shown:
h=2 m=22
